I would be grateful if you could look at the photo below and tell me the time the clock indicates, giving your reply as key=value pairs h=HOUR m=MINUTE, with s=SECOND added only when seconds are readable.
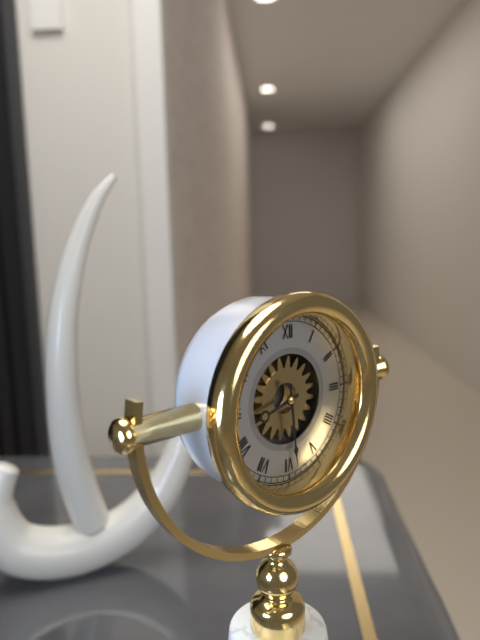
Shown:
h=8 m=29
